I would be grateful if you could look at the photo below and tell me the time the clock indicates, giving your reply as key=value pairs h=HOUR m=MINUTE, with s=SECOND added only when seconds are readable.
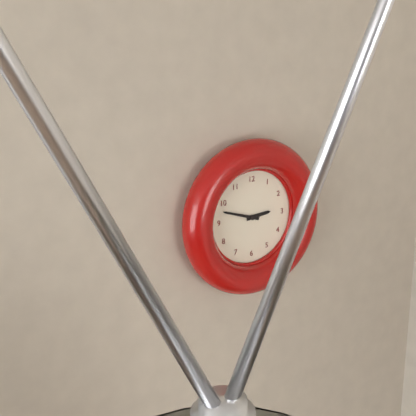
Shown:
h=2 m=48
